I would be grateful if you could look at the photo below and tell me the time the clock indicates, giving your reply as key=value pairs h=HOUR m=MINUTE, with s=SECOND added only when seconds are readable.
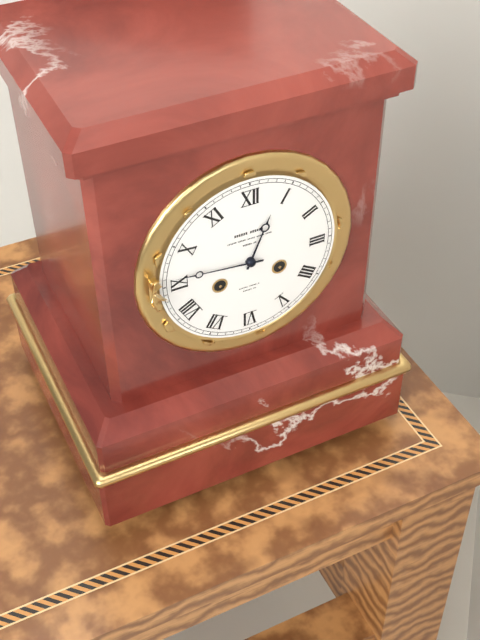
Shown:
h=12 m=46
